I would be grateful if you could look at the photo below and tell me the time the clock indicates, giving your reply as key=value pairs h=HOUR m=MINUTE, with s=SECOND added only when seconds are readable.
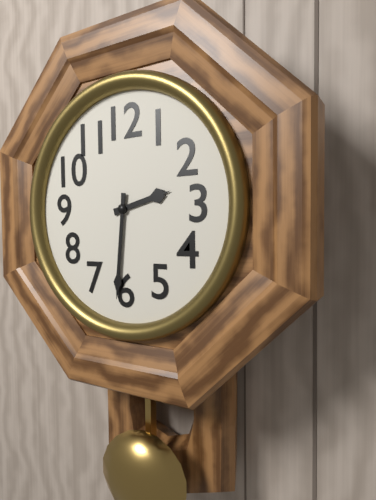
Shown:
h=2 m=31
